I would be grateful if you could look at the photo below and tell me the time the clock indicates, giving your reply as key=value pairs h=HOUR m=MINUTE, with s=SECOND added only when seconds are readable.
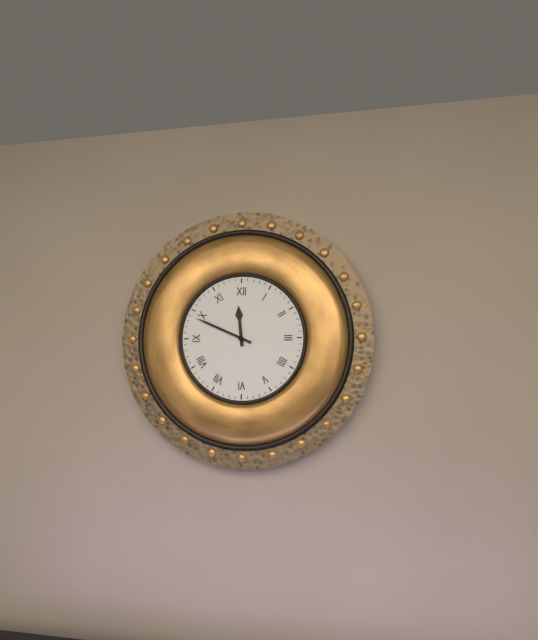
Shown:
h=11 m=49
